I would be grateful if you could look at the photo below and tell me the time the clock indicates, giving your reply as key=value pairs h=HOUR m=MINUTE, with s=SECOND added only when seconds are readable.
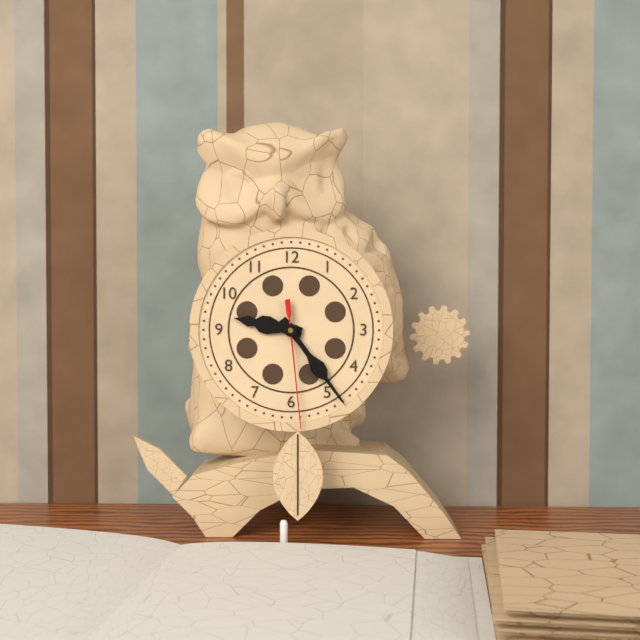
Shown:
h=9 m=24 s=29
